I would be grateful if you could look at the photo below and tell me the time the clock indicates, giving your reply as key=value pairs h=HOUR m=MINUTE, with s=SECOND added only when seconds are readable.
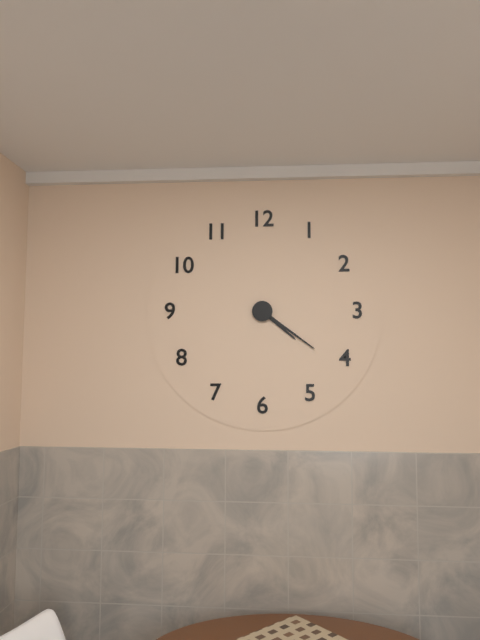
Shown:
h=4 m=21
